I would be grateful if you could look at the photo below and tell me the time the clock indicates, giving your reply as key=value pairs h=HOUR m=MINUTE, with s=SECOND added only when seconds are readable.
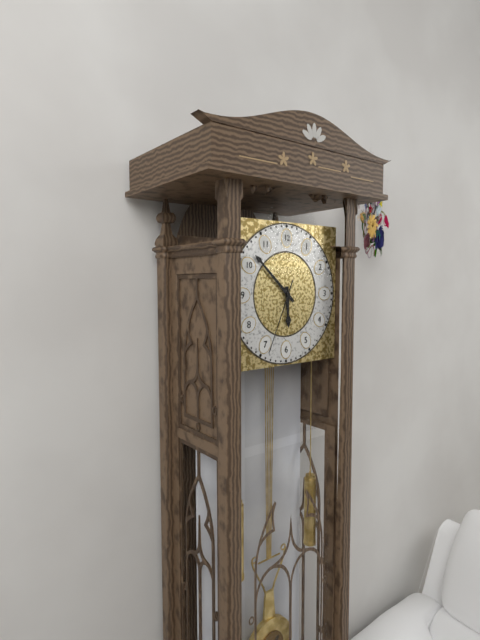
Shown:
h=5 m=52 s=34
